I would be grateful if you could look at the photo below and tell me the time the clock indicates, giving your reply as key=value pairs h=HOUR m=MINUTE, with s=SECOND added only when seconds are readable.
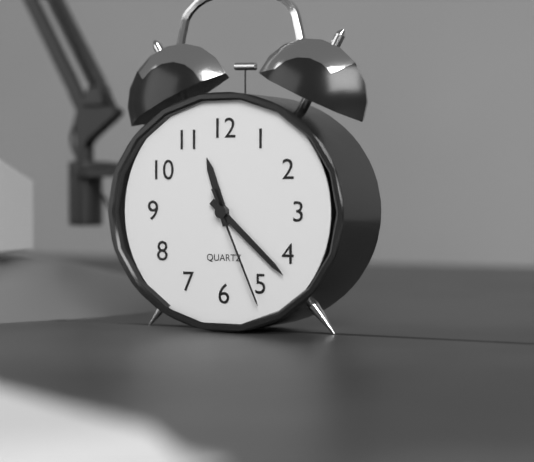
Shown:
h=11 m=22 s=26
